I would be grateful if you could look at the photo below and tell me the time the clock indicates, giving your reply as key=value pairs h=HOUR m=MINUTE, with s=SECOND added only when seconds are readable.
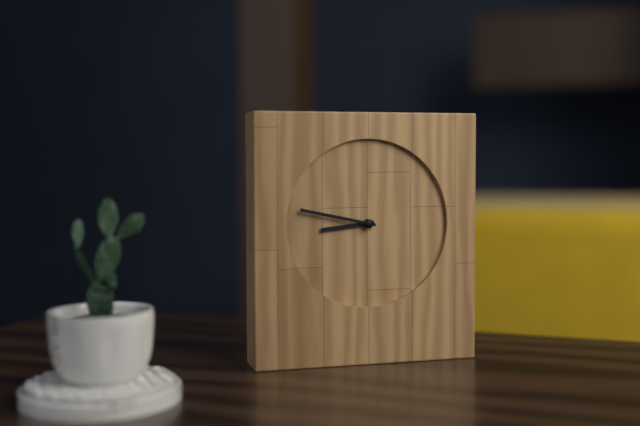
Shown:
h=8 m=47
